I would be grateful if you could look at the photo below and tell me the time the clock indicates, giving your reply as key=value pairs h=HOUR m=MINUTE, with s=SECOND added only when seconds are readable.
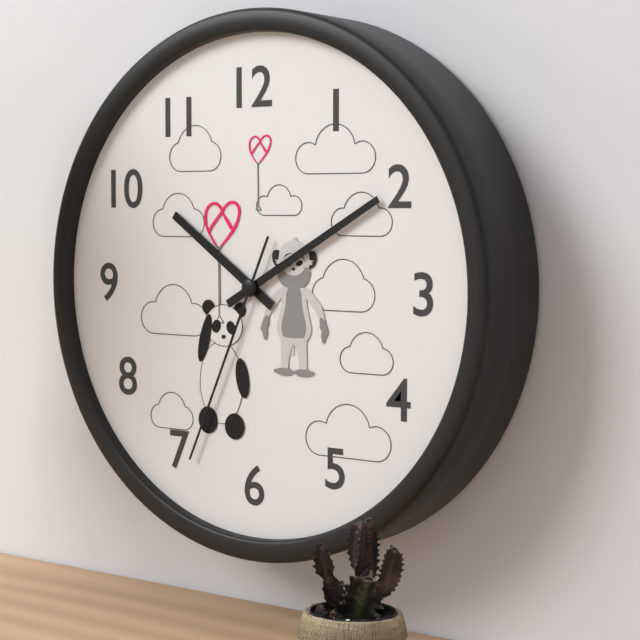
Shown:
h=10 m=10 s=34
